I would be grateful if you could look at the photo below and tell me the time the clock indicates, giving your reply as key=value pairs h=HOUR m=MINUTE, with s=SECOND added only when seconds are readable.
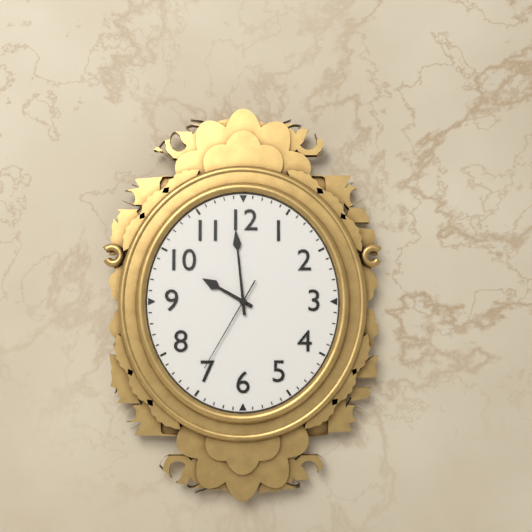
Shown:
h=9 m=59 s=35
